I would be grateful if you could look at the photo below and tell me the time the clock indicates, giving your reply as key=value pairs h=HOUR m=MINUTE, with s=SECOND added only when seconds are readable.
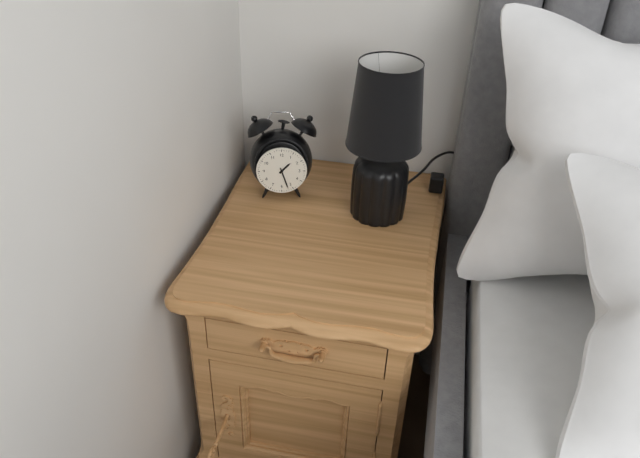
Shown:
h=1 m=27
